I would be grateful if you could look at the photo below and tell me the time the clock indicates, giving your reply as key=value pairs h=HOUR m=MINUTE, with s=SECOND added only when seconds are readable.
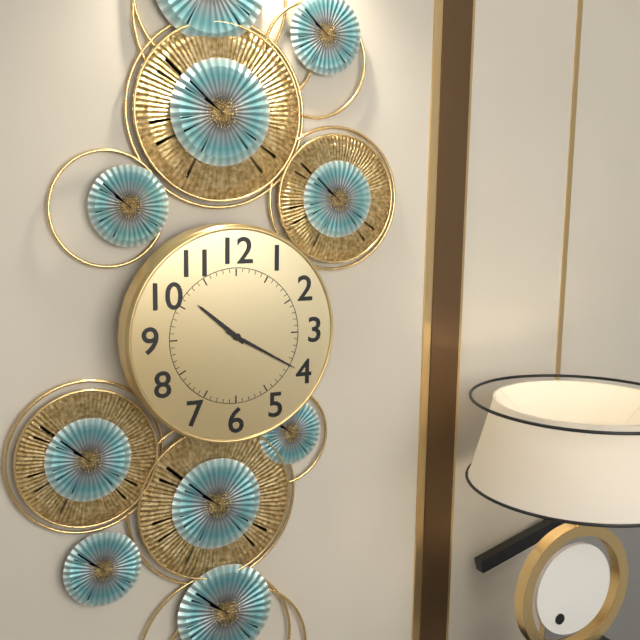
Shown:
h=10 m=20
